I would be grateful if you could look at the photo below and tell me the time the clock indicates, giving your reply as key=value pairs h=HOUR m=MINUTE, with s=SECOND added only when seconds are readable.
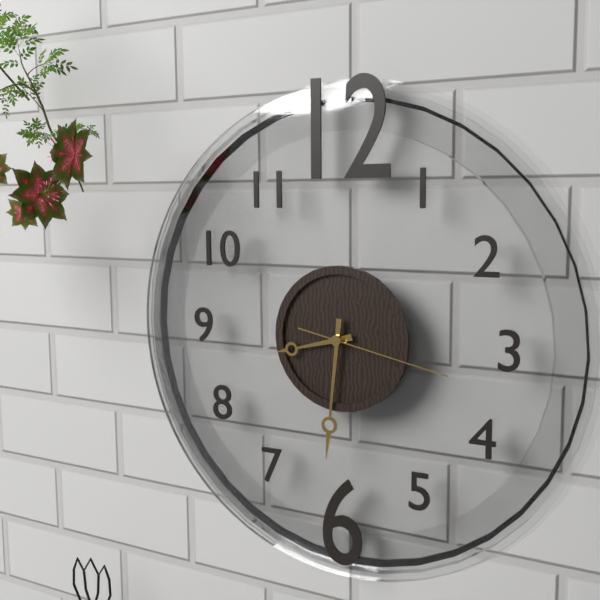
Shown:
h=8 m=31 s=17
